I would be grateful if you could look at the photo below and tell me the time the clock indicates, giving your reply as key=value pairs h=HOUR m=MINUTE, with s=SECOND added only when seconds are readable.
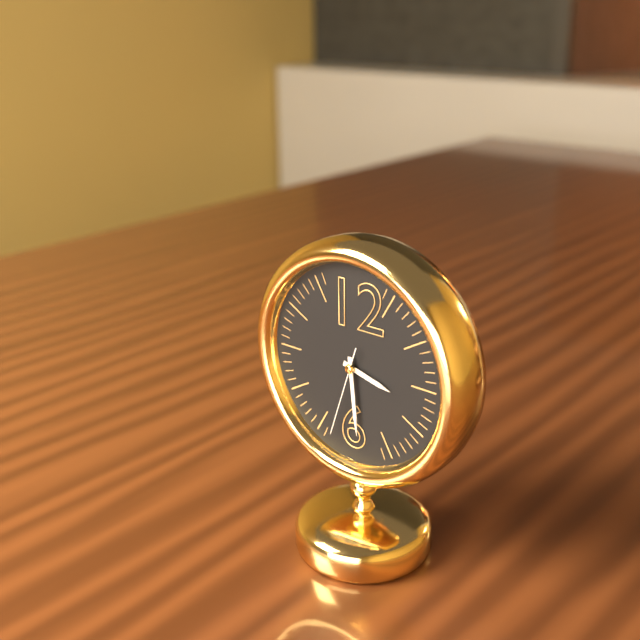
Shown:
h=3 m=29 s=33
